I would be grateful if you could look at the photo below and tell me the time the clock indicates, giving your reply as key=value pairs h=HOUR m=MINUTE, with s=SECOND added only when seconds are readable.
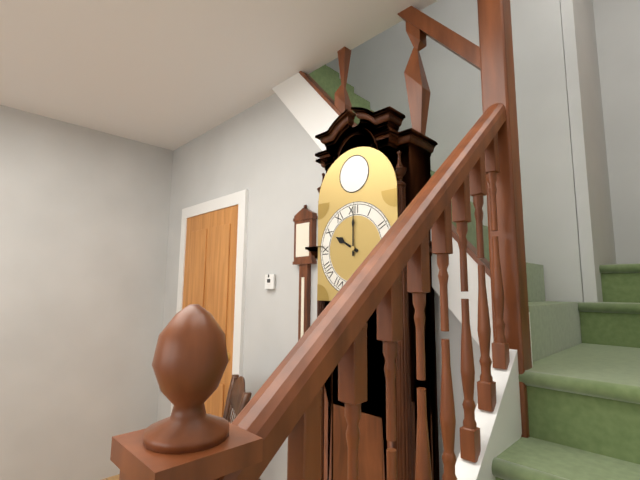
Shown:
h=10 m=0
